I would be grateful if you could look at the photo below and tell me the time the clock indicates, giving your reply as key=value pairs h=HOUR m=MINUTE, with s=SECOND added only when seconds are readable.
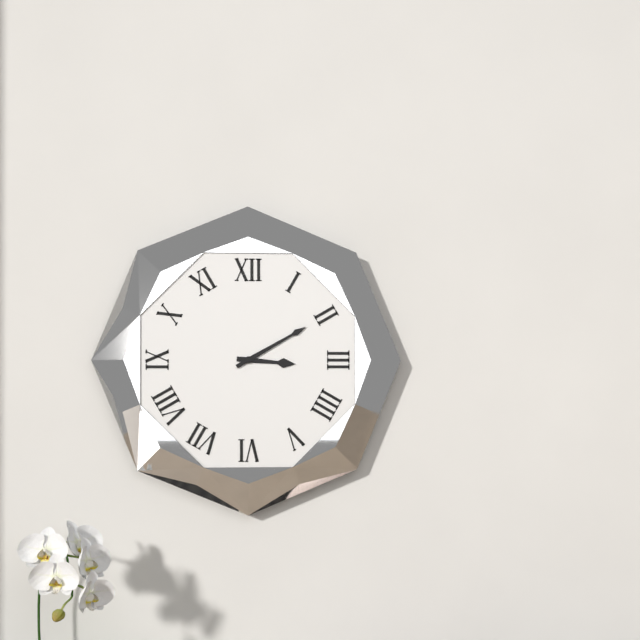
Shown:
h=3 m=10
